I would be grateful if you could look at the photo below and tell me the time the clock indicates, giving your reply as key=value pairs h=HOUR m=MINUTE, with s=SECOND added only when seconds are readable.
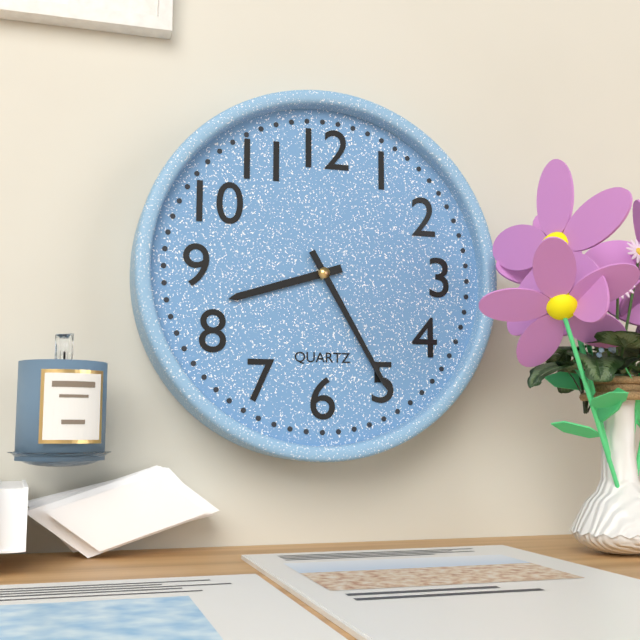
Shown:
h=8 m=25
